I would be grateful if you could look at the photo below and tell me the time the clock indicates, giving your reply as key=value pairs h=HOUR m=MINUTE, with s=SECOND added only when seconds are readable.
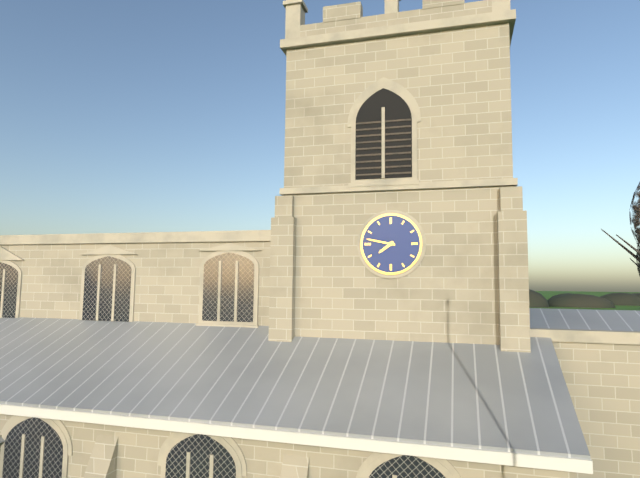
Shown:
h=7 m=47
